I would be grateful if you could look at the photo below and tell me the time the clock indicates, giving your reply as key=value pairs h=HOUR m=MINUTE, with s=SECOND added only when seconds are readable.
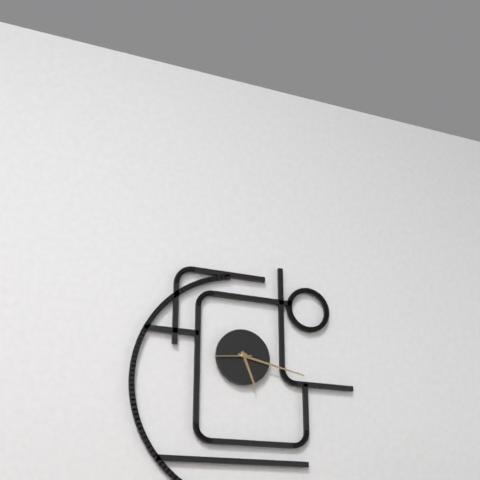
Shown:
h=5 m=17
